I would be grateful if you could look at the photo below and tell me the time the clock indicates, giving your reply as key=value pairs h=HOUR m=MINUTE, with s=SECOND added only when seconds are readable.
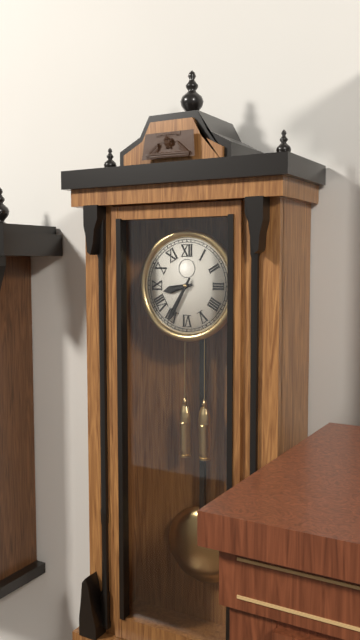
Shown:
h=8 m=35
